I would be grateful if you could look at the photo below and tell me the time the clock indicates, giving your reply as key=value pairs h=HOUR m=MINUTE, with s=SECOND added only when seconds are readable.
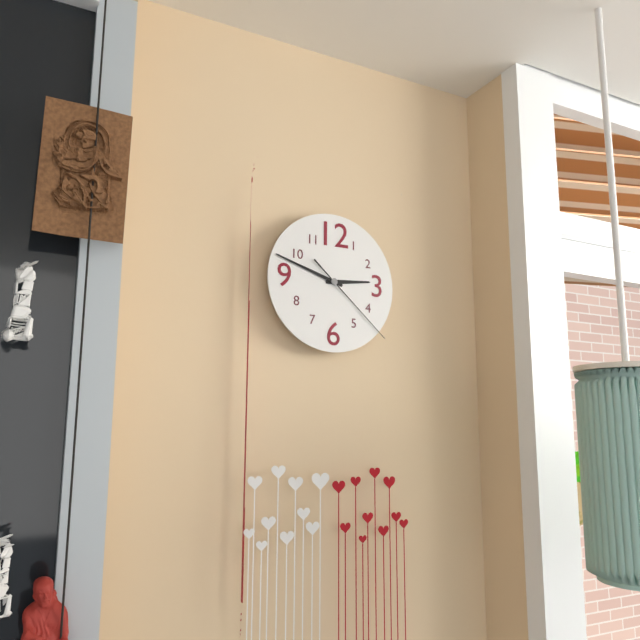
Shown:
h=2 m=48 s=22
